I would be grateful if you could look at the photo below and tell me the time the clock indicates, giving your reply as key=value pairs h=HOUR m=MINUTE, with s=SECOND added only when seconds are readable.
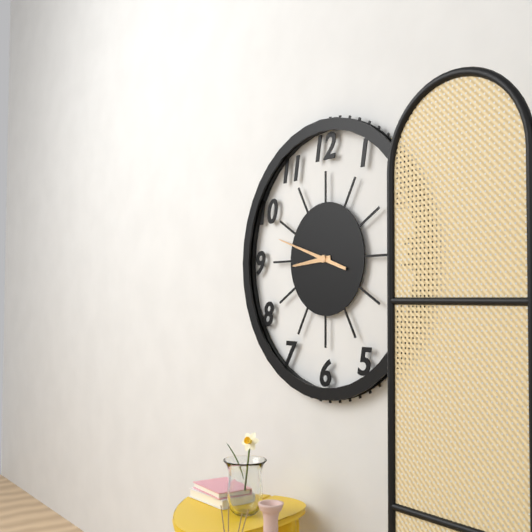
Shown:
h=8 m=48
